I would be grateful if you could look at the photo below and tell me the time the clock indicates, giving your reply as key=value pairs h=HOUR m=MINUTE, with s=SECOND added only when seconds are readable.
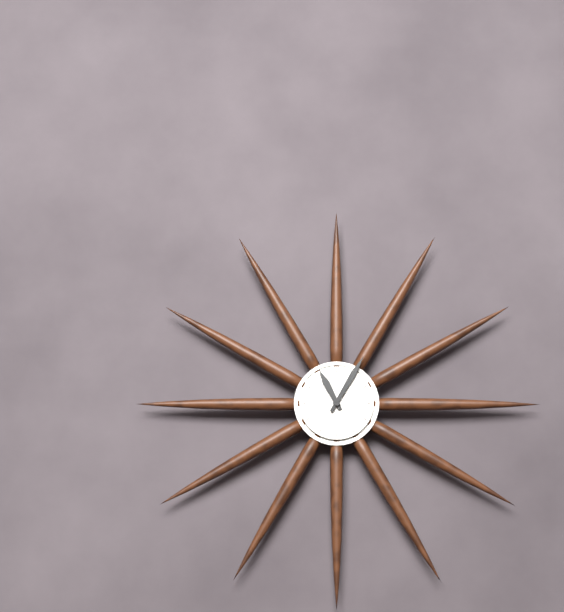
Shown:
h=11 m=5
